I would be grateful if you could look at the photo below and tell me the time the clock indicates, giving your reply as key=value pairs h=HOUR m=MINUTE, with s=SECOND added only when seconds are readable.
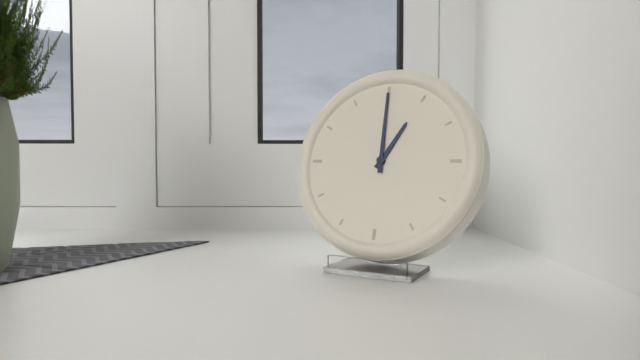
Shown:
h=1 m=0
